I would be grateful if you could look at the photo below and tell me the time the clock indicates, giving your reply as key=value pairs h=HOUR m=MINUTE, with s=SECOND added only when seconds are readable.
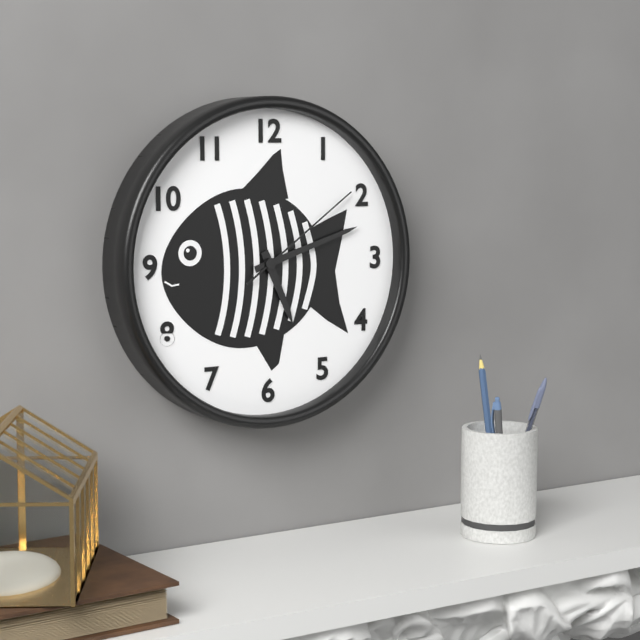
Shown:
h=5 m=12 s=9
